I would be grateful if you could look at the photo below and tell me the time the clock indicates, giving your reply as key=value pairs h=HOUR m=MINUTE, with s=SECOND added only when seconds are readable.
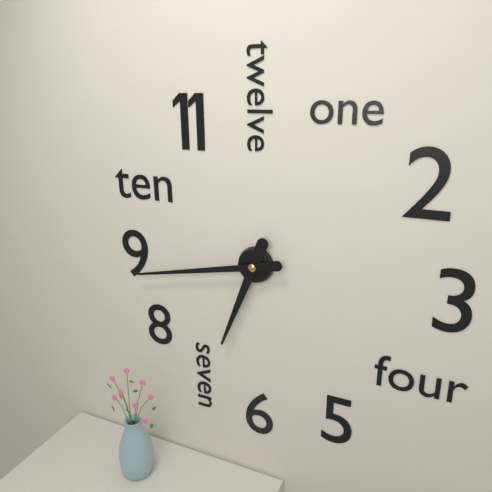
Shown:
h=6 m=43
